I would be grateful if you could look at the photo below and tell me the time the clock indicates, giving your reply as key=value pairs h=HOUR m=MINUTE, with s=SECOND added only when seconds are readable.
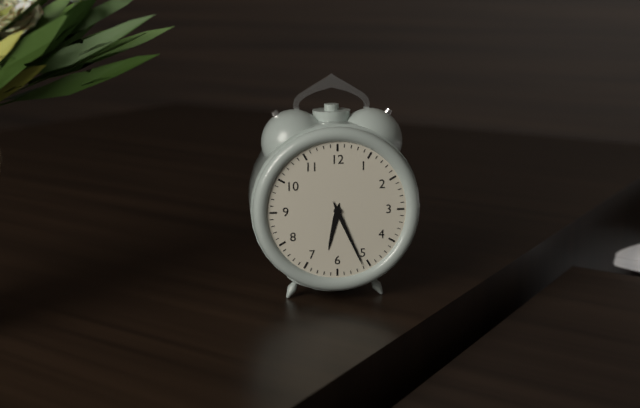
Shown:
h=6 m=26
